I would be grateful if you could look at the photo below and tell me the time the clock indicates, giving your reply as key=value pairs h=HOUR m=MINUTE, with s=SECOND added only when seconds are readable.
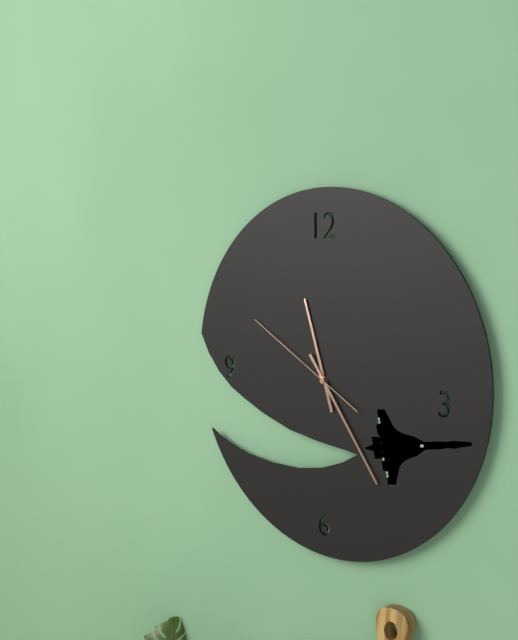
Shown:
h=11 m=24 s=50
